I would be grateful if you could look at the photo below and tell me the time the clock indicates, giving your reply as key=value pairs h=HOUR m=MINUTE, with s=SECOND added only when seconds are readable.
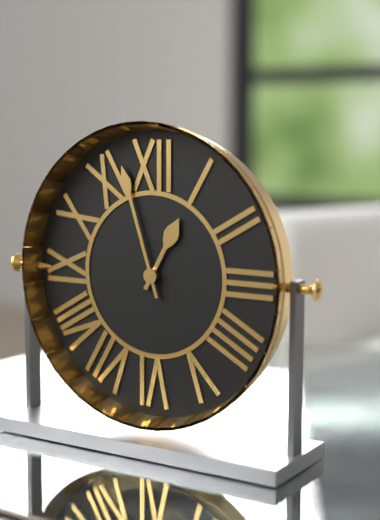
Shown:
h=12 m=57
